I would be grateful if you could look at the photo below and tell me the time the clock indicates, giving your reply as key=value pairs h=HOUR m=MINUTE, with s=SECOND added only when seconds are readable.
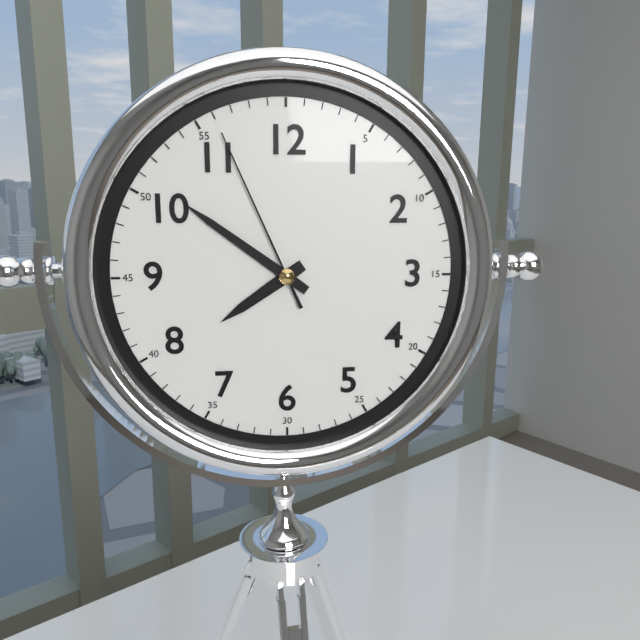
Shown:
h=7 m=51 s=56
